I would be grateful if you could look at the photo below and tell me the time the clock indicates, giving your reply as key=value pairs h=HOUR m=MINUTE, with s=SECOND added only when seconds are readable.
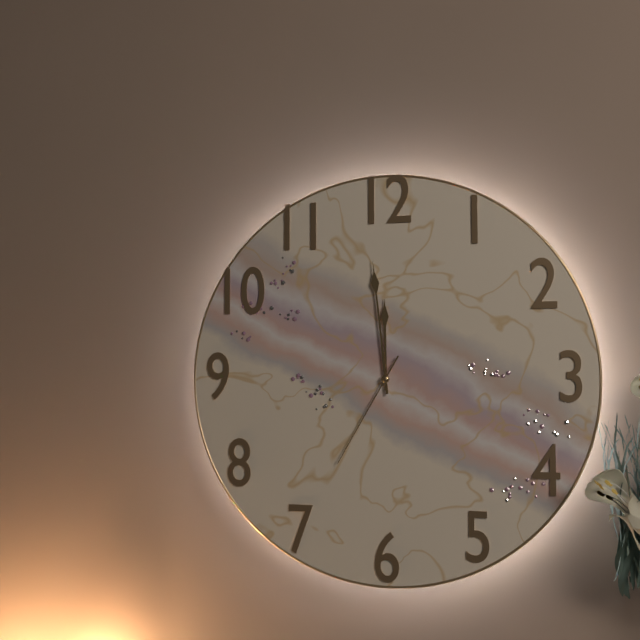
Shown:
h=11 m=59 s=35
